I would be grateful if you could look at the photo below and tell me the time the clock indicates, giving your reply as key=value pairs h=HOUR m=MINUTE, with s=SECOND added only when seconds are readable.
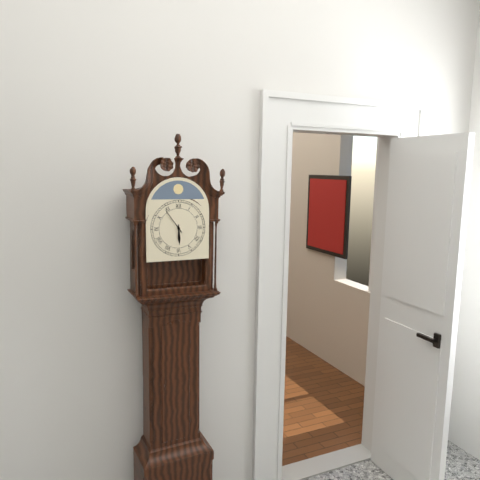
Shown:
h=5 m=54
